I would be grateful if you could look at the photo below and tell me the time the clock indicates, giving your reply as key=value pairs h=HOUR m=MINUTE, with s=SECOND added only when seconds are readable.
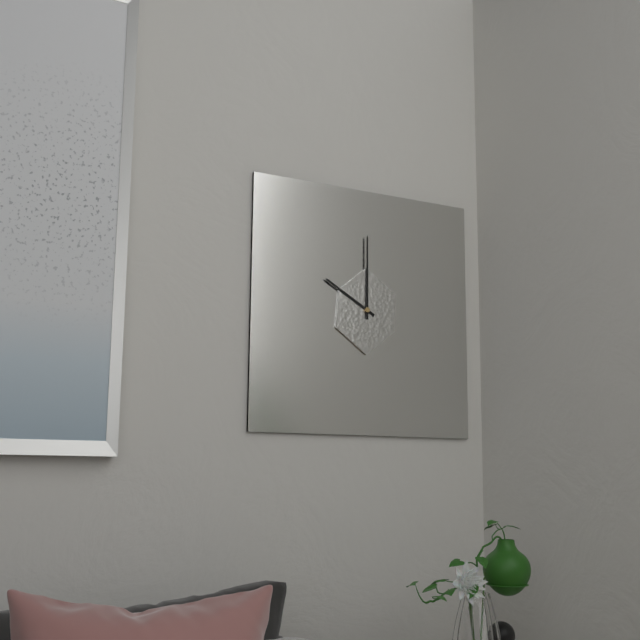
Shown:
h=10 m=0
